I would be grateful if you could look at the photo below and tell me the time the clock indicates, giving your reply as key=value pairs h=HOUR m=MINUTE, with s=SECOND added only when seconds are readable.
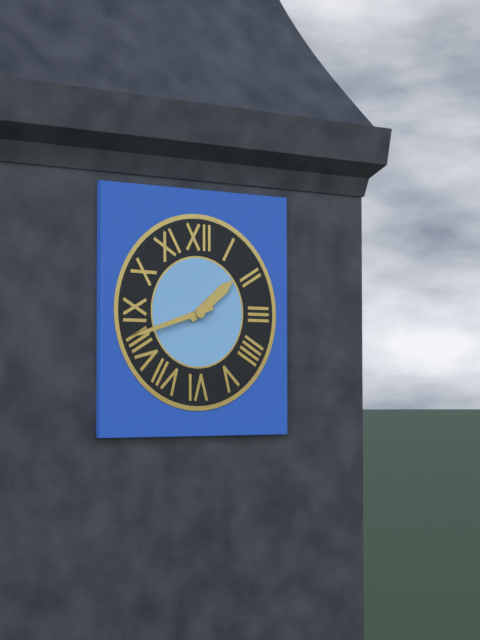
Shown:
h=1 m=42
